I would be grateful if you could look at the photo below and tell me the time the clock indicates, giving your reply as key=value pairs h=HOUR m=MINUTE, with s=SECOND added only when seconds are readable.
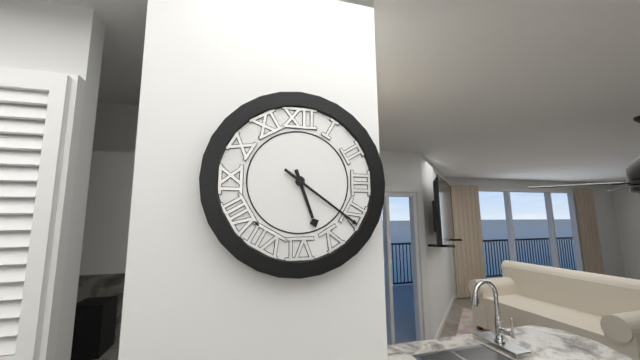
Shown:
h=5 m=21
